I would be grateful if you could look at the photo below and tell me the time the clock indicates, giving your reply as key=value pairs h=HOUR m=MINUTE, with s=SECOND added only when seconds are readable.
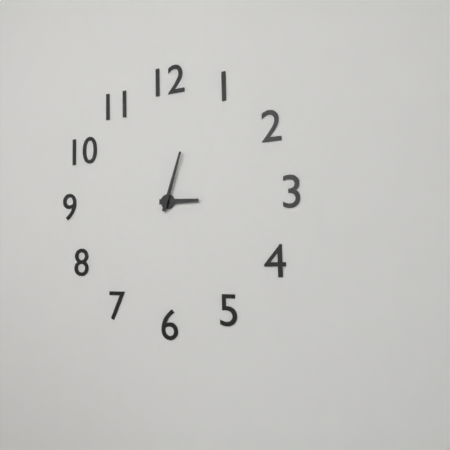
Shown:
h=3 m=3
